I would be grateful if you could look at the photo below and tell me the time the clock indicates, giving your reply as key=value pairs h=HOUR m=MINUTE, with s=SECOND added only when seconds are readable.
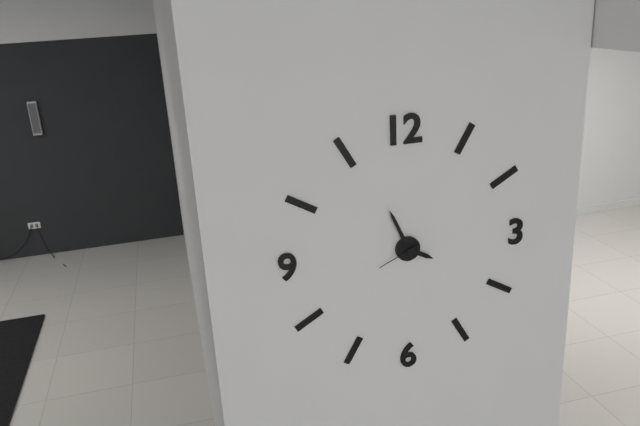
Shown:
h=3 m=56
